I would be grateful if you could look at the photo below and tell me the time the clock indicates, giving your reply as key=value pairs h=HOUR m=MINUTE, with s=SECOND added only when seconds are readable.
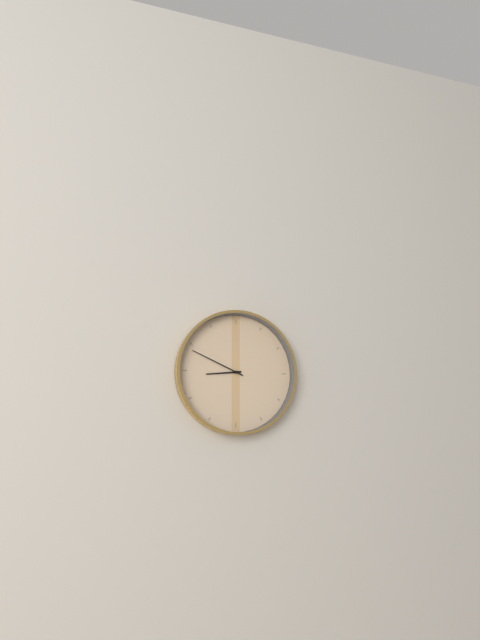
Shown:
h=8 m=49
